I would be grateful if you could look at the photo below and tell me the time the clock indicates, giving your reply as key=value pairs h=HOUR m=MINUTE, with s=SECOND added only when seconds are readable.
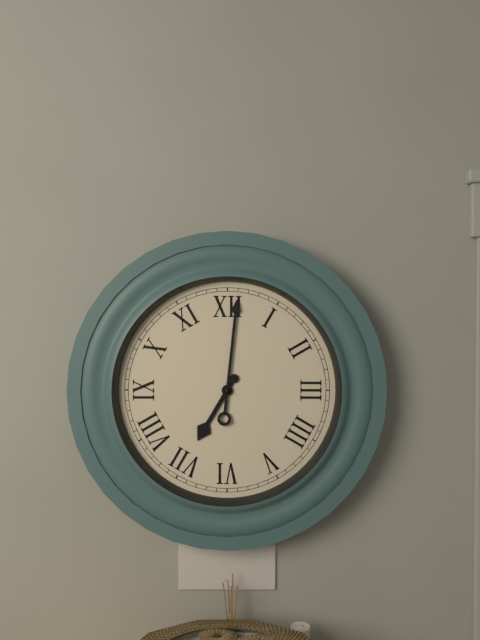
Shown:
h=7 m=1
